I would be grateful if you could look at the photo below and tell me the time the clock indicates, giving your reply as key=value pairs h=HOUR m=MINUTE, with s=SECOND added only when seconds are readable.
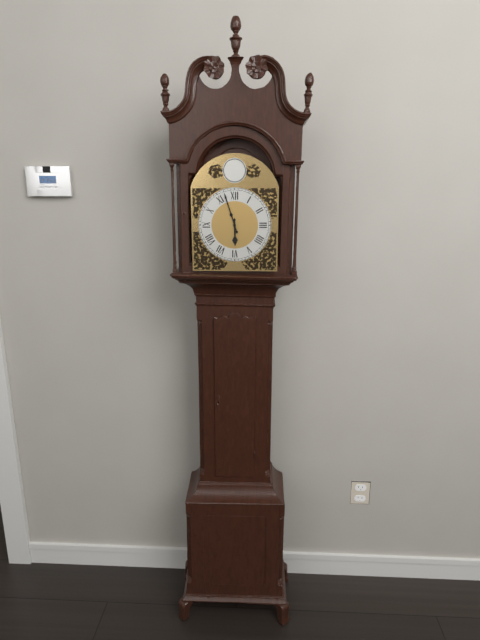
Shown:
h=5 m=57
